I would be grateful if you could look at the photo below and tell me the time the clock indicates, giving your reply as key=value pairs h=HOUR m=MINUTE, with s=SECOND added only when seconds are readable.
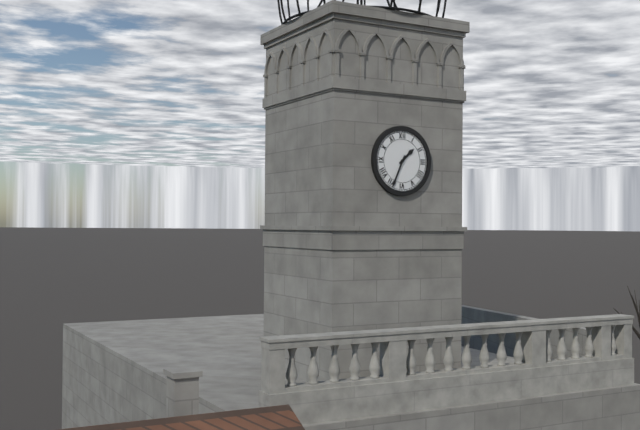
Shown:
h=1 m=34
